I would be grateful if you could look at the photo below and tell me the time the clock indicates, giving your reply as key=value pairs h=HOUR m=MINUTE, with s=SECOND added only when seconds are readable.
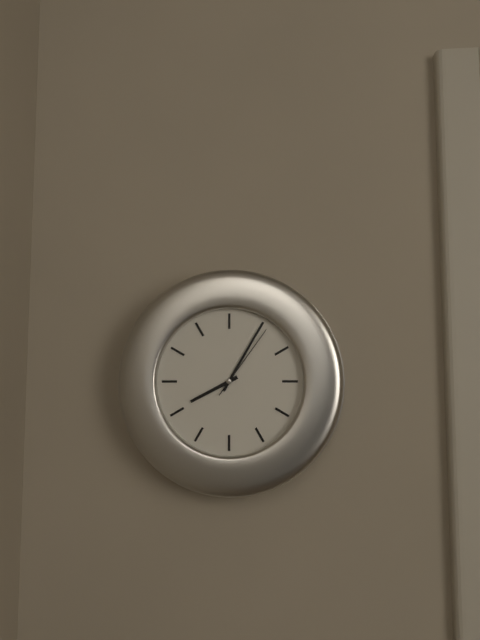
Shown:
h=8 m=5 s=6
